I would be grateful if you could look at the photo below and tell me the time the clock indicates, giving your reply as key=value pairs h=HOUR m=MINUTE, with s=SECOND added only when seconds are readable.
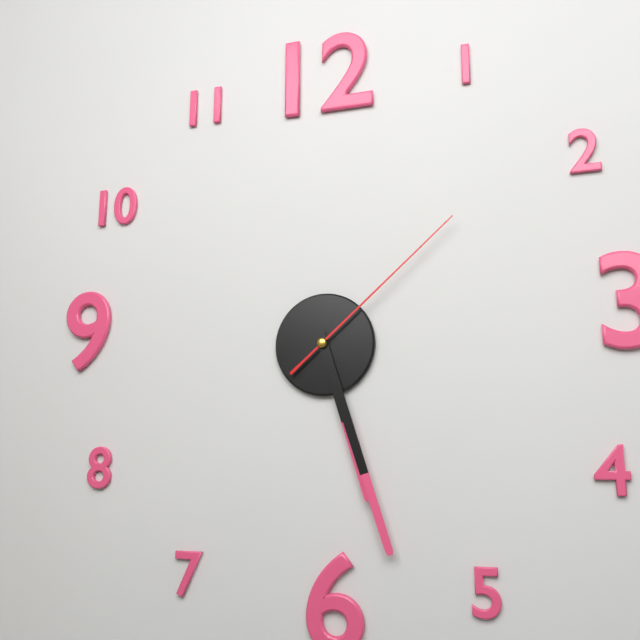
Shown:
h=5 m=27 s=8
